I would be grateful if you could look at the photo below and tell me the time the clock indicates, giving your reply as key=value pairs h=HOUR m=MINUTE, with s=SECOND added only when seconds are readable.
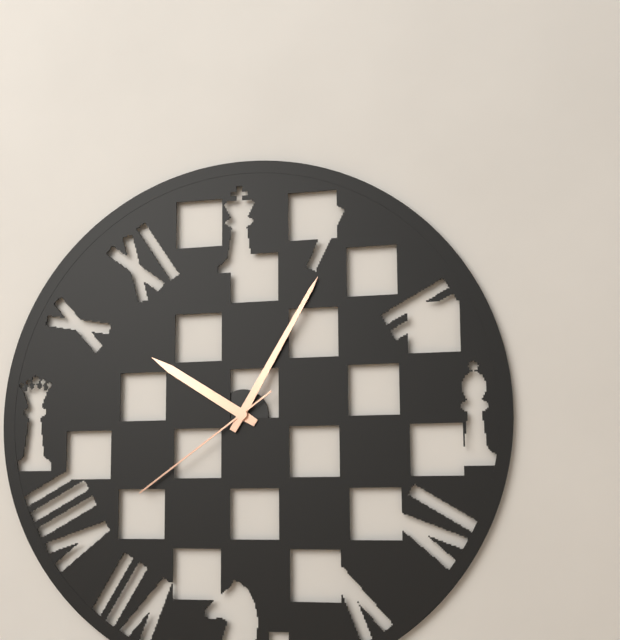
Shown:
h=10 m=5 s=39
